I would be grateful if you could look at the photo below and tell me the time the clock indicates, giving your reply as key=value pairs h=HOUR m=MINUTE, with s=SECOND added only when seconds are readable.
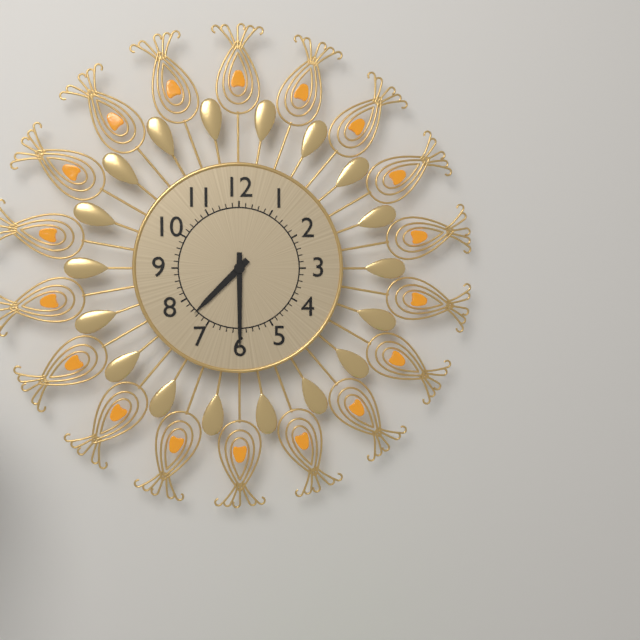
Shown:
h=7 m=30
